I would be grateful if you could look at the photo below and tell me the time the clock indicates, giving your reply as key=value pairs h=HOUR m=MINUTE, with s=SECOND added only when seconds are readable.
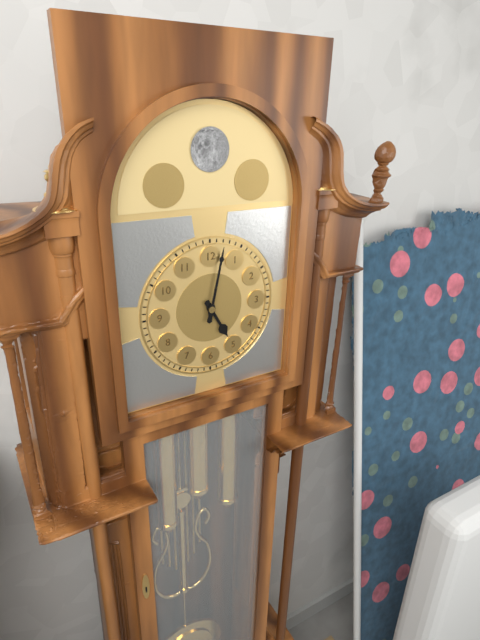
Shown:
h=5 m=2
